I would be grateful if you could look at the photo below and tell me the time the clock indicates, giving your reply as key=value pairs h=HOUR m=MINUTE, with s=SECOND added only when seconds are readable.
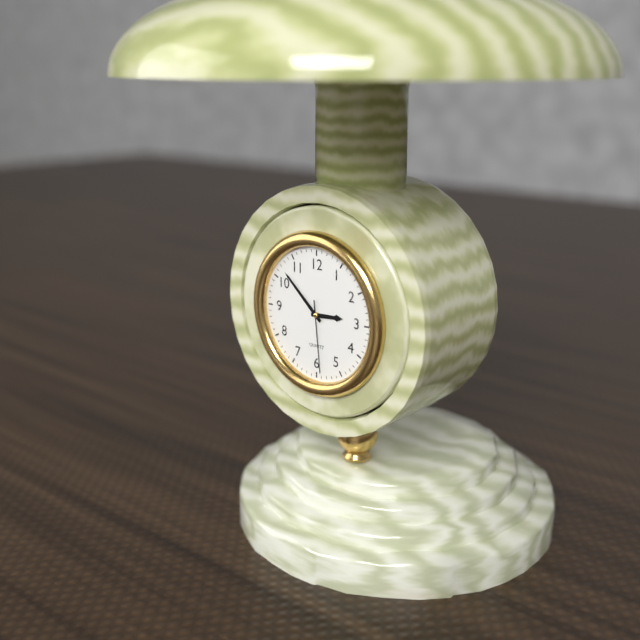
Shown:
h=2 m=52 s=29
